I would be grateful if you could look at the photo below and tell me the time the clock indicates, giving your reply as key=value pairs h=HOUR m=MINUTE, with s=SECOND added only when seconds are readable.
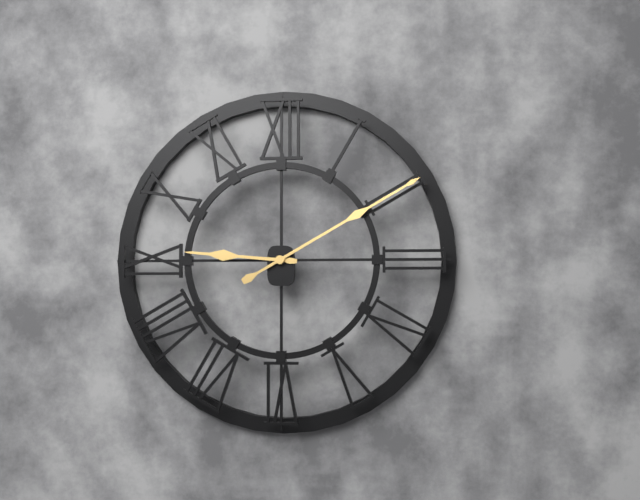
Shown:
h=9 m=10
